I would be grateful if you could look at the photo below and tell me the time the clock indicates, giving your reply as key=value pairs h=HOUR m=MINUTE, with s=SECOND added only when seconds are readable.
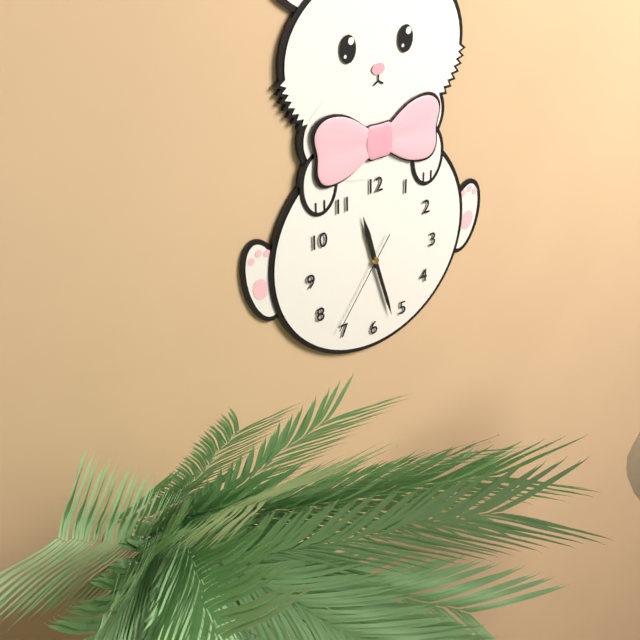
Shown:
h=11 m=27 s=36
